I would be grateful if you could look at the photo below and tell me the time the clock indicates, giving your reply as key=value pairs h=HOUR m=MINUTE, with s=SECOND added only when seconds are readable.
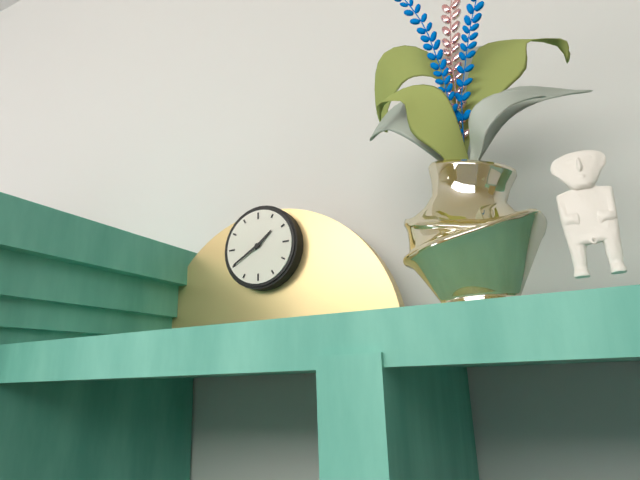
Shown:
h=1 m=40
